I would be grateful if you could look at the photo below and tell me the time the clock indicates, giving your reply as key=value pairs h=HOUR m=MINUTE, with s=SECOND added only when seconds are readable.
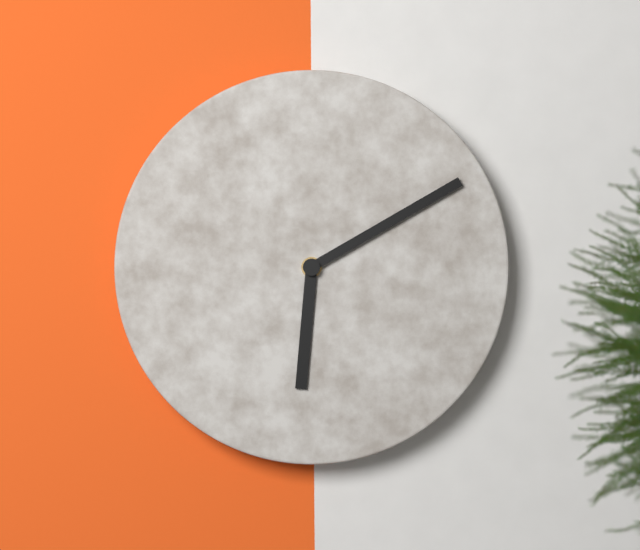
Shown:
h=6 m=10
